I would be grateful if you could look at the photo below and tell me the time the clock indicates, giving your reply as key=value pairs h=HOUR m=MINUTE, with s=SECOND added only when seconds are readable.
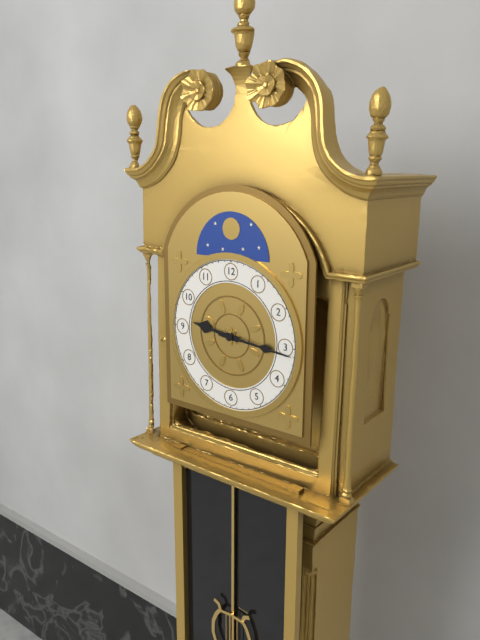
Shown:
h=9 m=16
